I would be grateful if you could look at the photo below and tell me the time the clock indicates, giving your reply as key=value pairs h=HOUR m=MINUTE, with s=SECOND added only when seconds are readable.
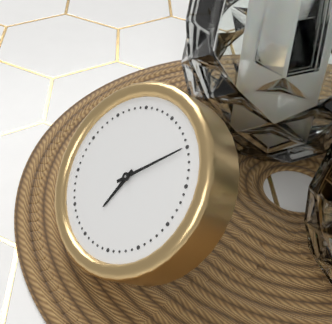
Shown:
h=6 m=5
